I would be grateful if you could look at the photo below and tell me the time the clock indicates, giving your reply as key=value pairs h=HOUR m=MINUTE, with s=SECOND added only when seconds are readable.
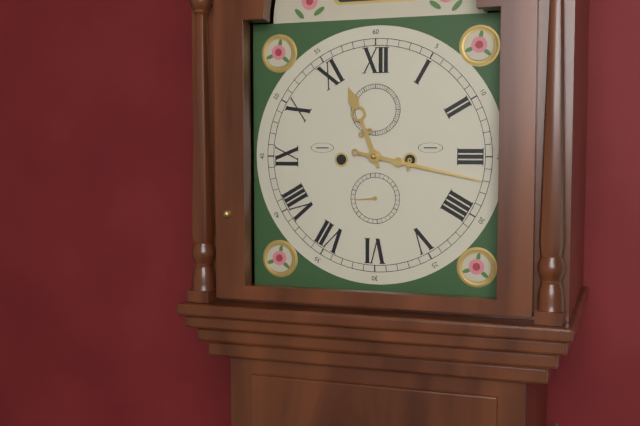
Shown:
h=11 m=17
